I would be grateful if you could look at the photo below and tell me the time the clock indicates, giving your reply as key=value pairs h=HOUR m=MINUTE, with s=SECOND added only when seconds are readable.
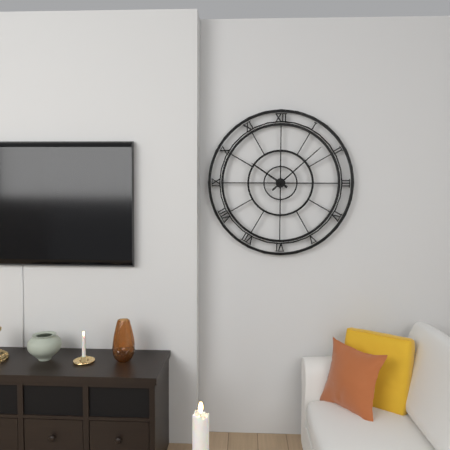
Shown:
h=10 m=8
